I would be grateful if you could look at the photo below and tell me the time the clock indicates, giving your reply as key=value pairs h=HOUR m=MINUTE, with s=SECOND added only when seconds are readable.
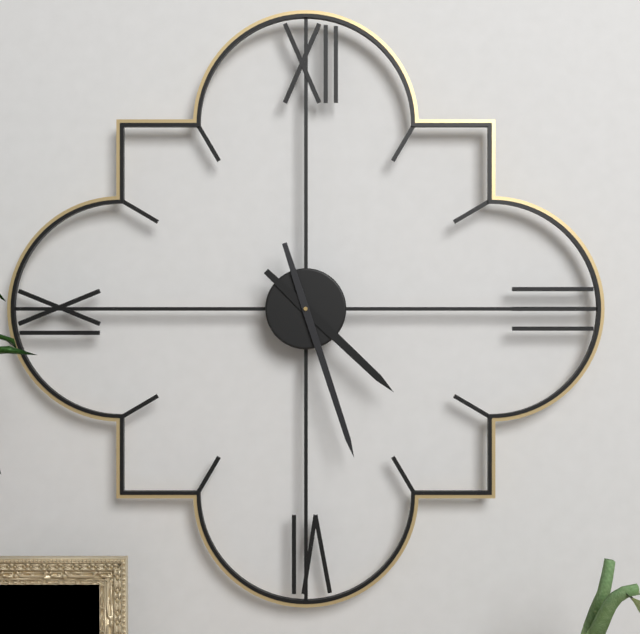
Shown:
h=4 m=27
